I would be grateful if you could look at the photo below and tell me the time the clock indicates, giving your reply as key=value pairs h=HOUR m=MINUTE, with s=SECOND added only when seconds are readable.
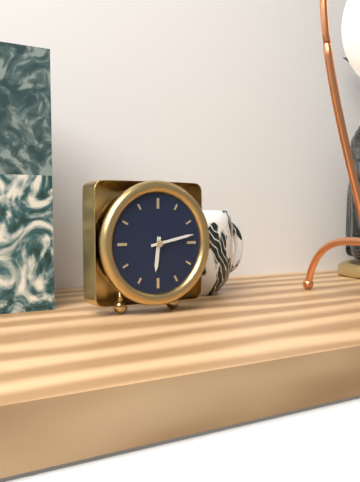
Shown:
h=6 m=13
